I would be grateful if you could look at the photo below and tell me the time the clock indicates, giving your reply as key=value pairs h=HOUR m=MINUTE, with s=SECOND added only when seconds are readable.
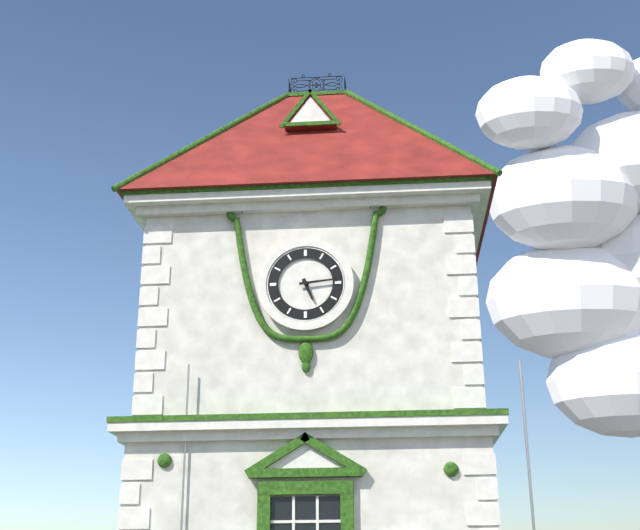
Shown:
h=5 m=14
